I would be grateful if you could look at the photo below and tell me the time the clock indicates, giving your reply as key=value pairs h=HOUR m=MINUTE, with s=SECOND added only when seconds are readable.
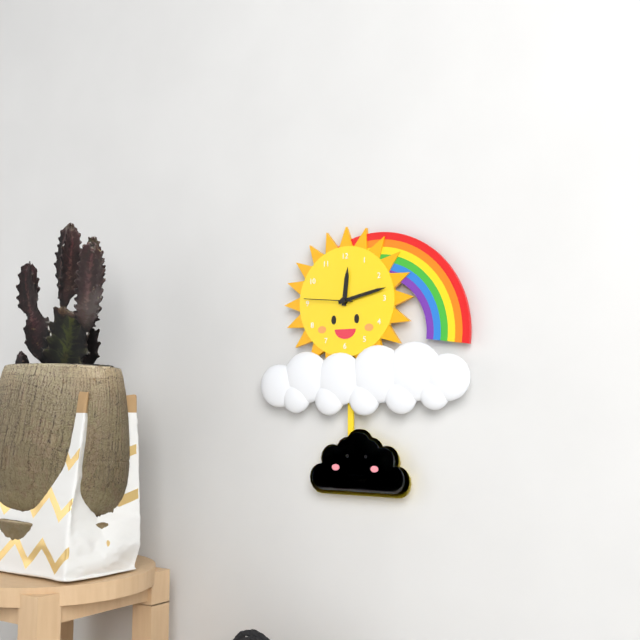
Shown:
h=12 m=13
